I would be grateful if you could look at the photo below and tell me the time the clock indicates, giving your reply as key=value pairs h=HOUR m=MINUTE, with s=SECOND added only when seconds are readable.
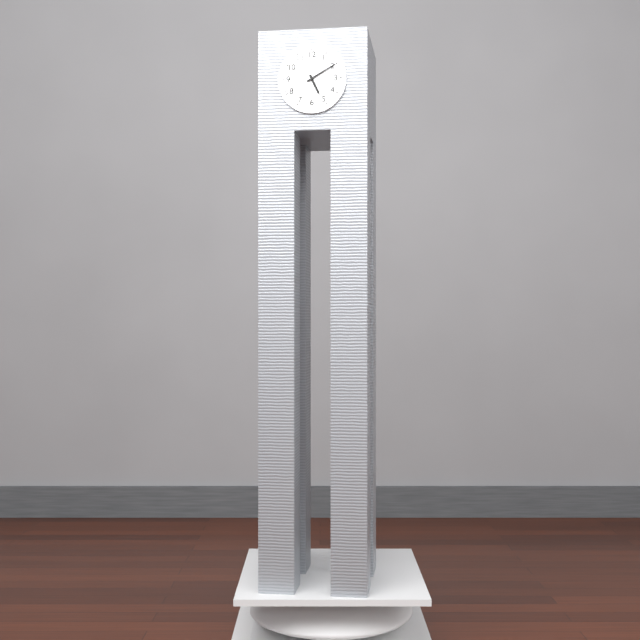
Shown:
h=5 m=10
